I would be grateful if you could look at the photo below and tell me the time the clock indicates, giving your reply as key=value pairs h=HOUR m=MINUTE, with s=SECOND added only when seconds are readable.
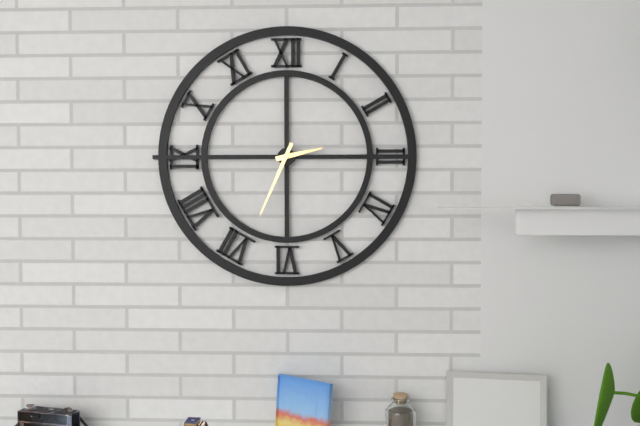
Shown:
h=2 m=34
